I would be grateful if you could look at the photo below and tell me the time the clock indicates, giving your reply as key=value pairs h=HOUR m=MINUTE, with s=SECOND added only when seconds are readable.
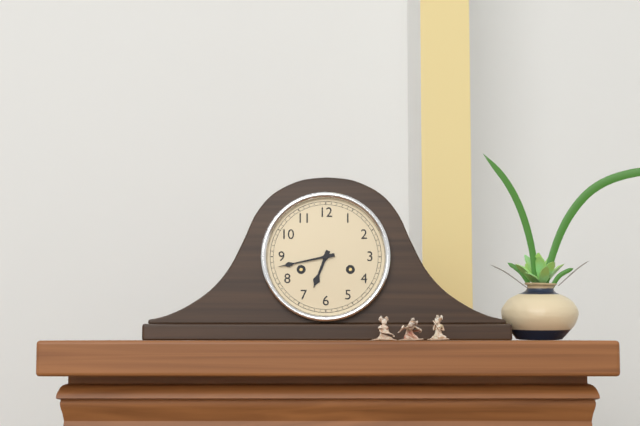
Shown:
h=6 m=43
